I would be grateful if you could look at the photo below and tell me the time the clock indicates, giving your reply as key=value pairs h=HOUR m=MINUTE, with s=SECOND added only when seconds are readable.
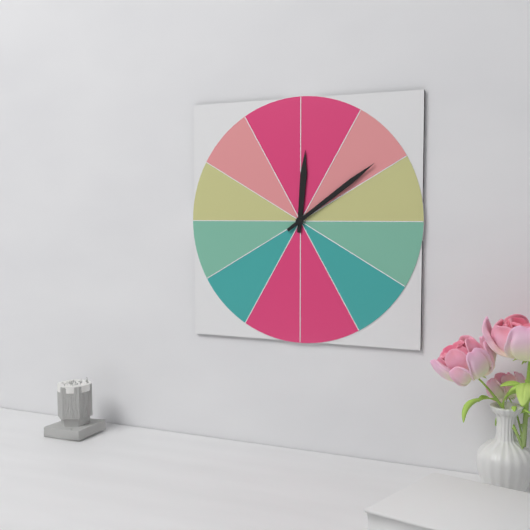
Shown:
h=12 m=9
